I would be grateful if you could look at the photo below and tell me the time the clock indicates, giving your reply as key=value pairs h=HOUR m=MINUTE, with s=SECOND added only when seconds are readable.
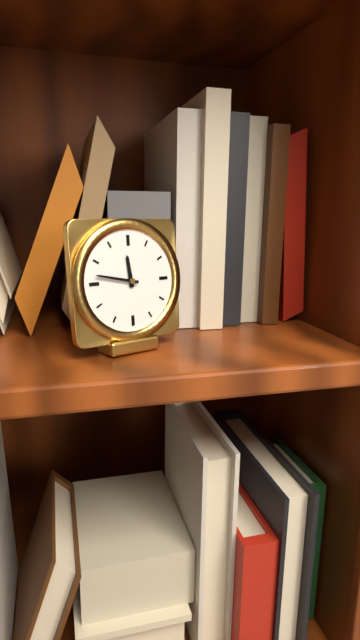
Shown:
h=11 m=47
